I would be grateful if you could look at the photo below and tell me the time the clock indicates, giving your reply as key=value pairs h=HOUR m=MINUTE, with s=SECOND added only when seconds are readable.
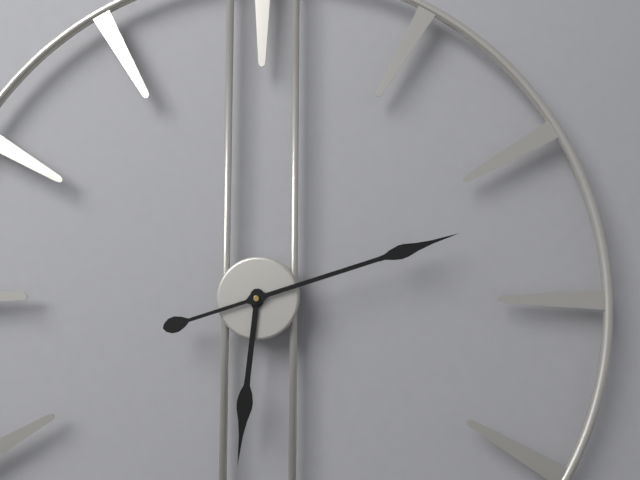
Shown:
h=6 m=12
